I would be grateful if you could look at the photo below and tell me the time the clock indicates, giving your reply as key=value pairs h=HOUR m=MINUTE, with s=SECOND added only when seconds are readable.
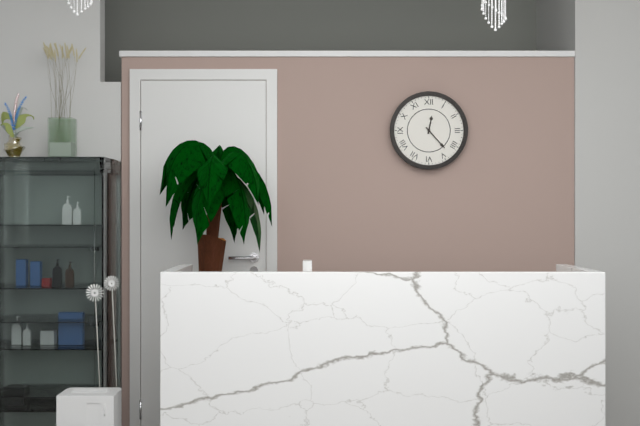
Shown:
h=12 m=23
